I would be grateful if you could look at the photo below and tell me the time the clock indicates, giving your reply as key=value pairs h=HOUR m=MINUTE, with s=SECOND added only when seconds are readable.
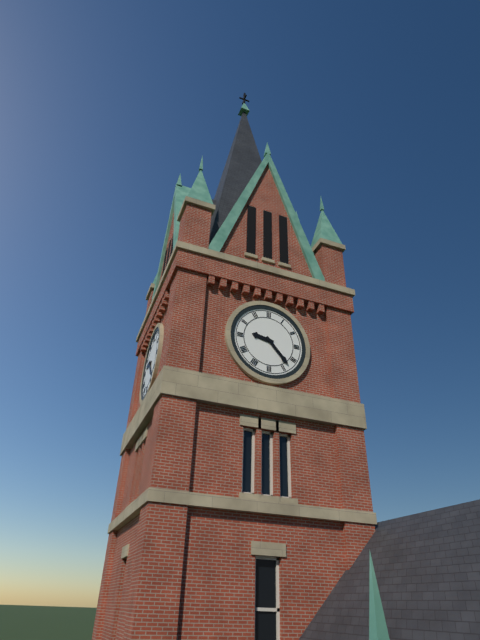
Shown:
h=9 m=23
